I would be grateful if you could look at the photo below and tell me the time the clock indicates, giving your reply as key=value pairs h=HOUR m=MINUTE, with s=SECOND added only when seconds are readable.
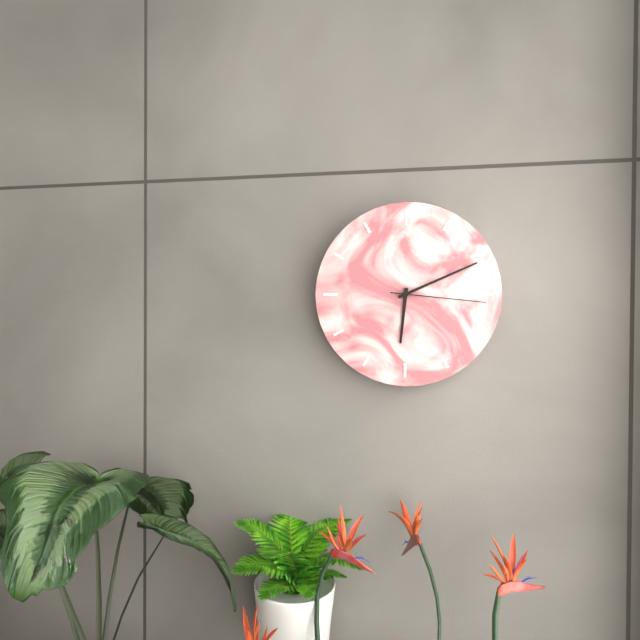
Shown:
h=6 m=11 s=16
